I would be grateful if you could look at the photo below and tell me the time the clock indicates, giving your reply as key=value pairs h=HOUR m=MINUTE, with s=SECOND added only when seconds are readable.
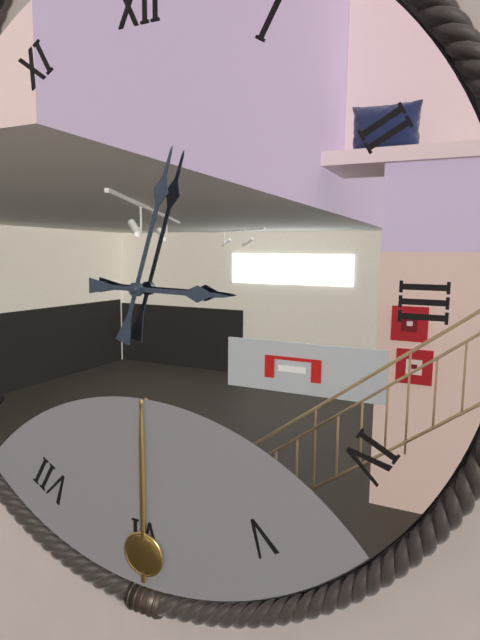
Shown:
h=3 m=3
